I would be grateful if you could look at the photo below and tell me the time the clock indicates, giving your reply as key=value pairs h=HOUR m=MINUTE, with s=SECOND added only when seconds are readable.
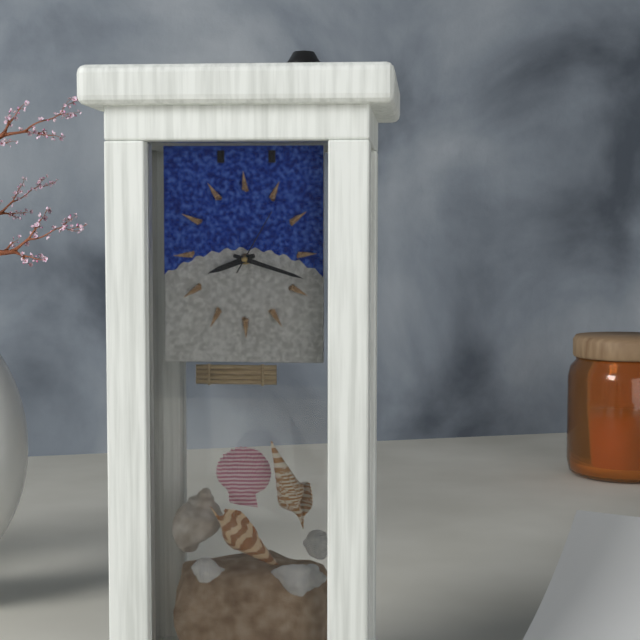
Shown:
h=8 m=18 s=5
